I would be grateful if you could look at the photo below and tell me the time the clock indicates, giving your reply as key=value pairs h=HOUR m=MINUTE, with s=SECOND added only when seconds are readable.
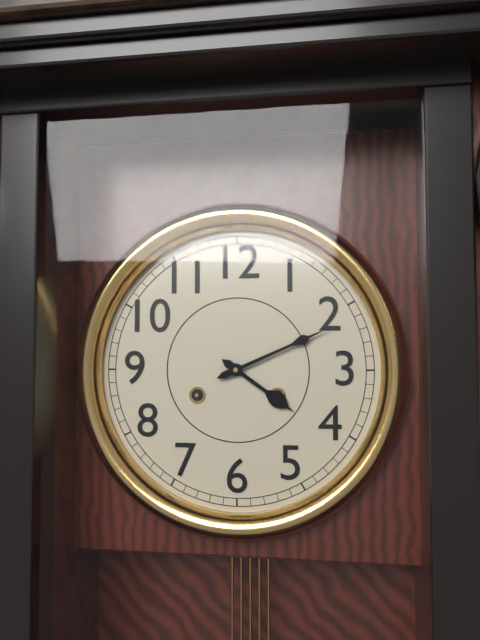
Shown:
h=4 m=11
